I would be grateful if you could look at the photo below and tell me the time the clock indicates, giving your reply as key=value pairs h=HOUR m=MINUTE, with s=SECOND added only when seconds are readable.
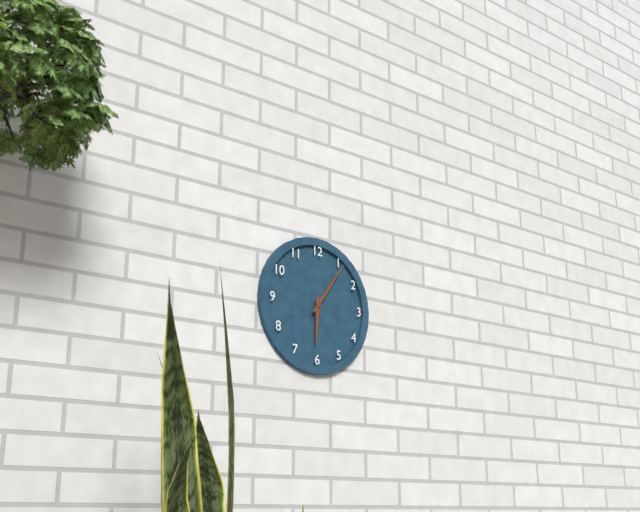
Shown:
h=6 m=6
